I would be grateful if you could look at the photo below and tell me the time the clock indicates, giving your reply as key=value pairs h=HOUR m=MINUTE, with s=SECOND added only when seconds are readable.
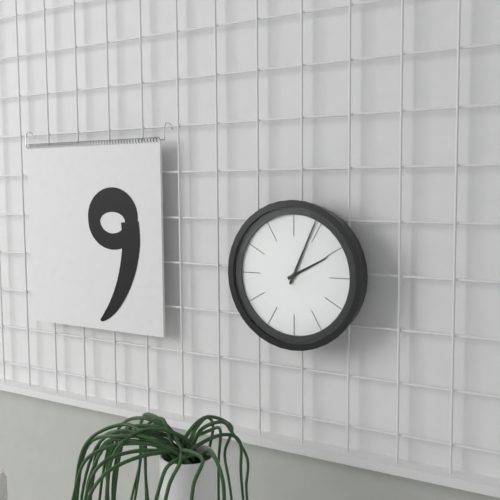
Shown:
h=2 m=4
